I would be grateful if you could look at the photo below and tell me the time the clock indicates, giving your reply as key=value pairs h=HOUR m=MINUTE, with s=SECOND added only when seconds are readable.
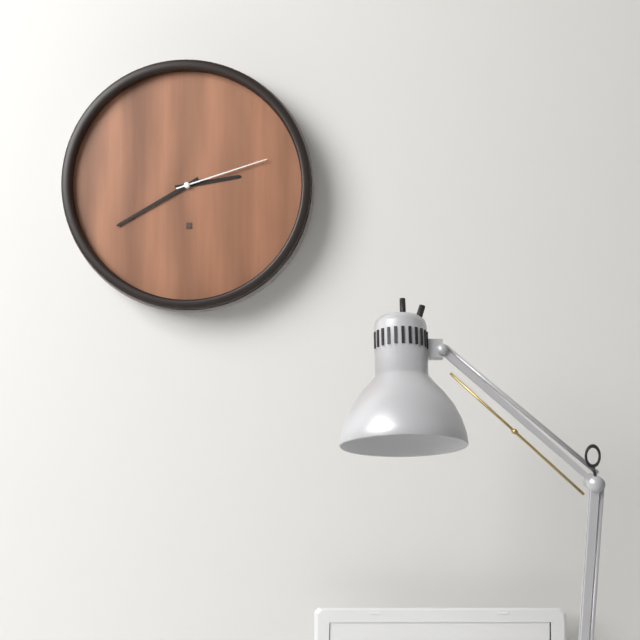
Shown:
h=2 m=40 s=12
